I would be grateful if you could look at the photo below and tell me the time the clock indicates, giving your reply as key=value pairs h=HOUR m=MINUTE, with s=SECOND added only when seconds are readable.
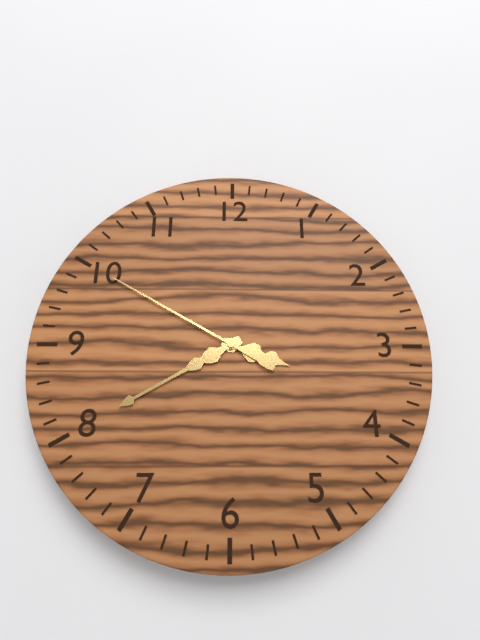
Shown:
h=3 m=40 s=50
